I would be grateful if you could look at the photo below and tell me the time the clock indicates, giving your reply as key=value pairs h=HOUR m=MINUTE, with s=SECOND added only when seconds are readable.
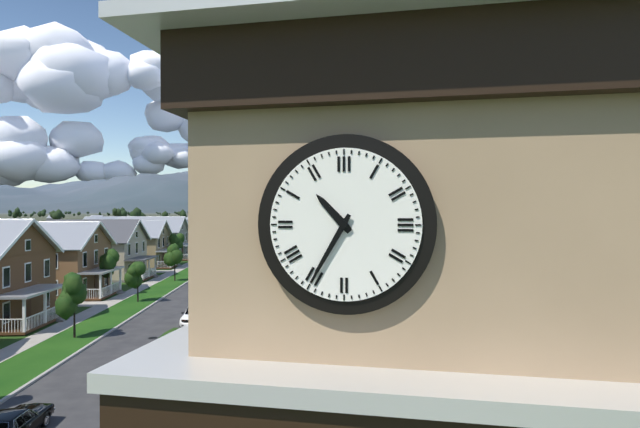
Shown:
h=10 m=35
